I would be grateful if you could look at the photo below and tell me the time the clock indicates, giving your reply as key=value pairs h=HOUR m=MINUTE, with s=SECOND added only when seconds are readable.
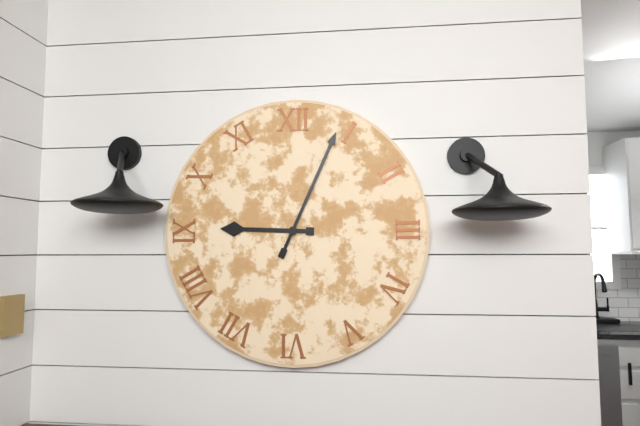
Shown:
h=9 m=4
